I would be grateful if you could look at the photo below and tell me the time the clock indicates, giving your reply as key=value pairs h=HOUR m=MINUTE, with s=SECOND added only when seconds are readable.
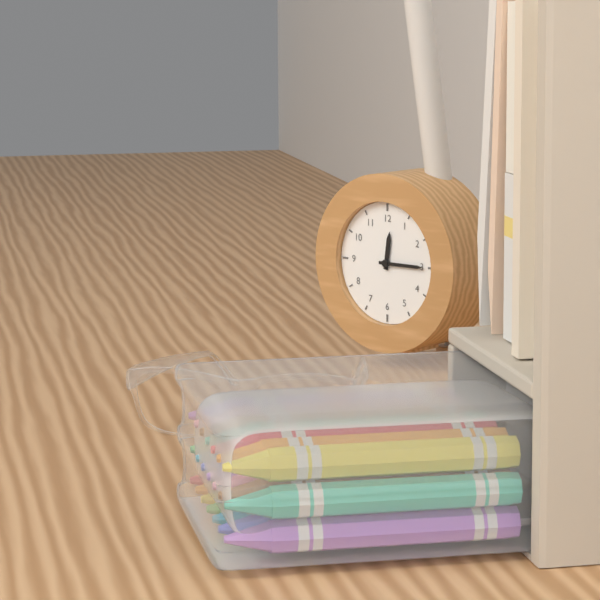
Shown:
h=12 m=15
